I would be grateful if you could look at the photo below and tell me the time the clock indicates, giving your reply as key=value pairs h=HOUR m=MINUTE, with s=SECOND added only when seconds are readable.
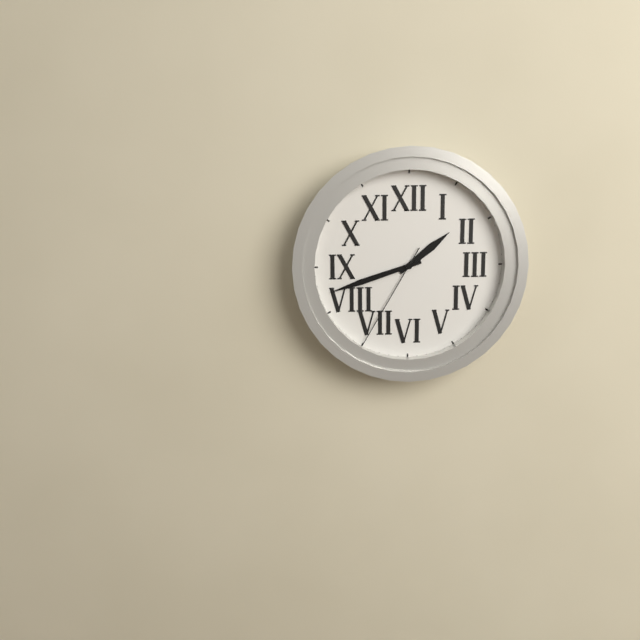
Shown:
h=1 m=42 s=35
